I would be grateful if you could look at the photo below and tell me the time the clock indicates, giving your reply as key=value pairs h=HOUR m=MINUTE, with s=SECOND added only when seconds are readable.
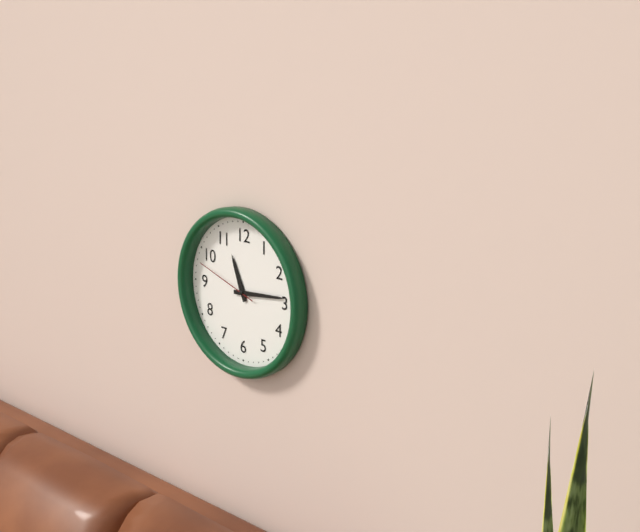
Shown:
h=11 m=14 s=48
